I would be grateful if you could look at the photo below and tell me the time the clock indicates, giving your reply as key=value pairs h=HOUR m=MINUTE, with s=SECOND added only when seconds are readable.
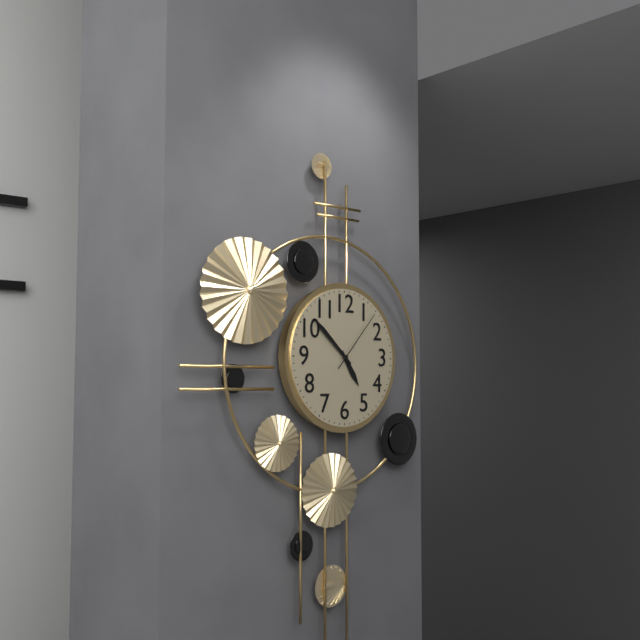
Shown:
h=4 m=52 s=7
